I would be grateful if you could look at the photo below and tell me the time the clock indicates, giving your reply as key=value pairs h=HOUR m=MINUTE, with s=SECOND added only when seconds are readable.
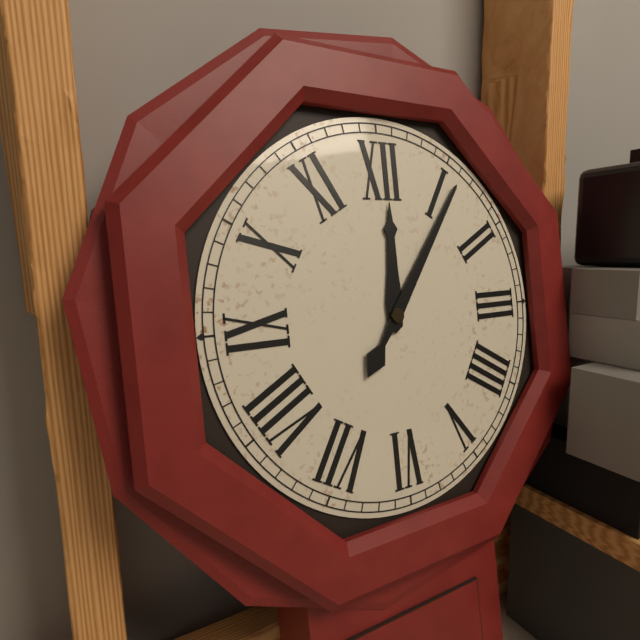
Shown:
h=12 m=6
